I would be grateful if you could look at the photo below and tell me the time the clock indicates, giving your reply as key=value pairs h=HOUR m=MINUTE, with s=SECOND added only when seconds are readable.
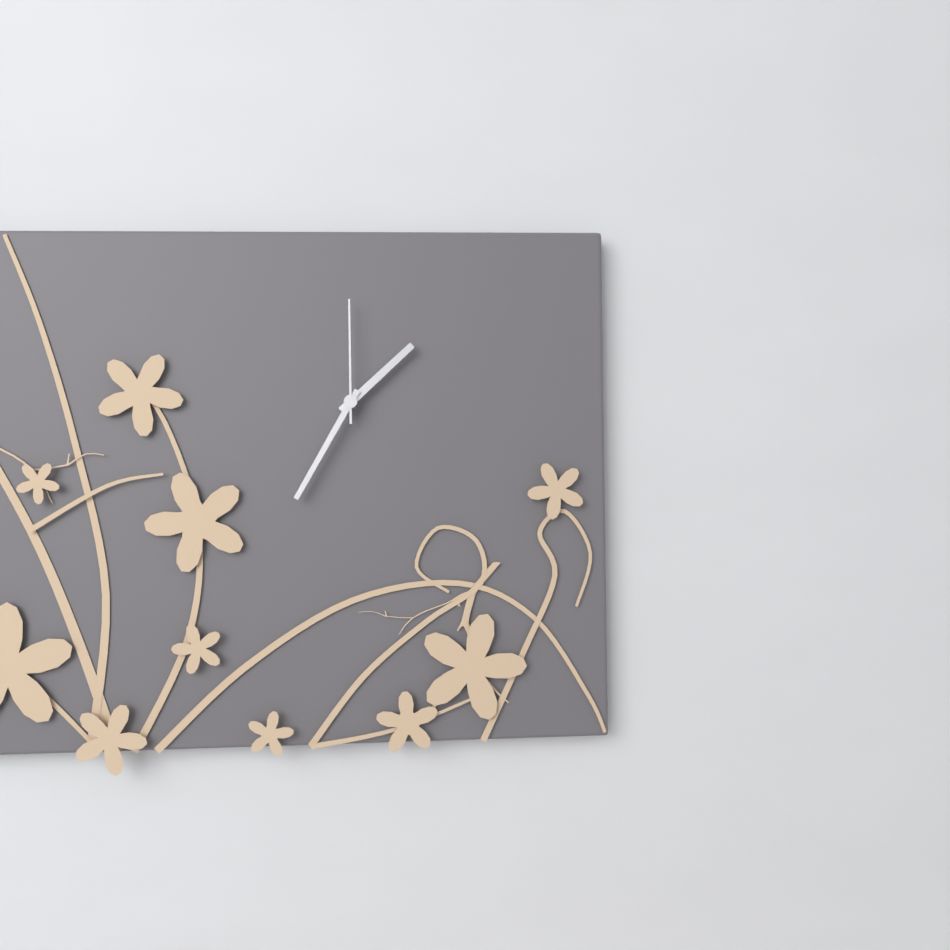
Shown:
h=1 m=35 s=0
